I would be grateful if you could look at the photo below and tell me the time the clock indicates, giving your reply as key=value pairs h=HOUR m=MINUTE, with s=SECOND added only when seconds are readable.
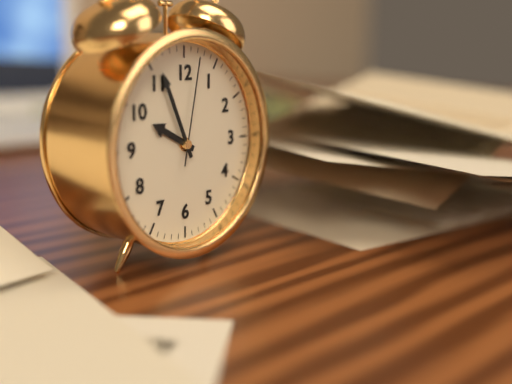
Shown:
h=9 m=56 s=2
